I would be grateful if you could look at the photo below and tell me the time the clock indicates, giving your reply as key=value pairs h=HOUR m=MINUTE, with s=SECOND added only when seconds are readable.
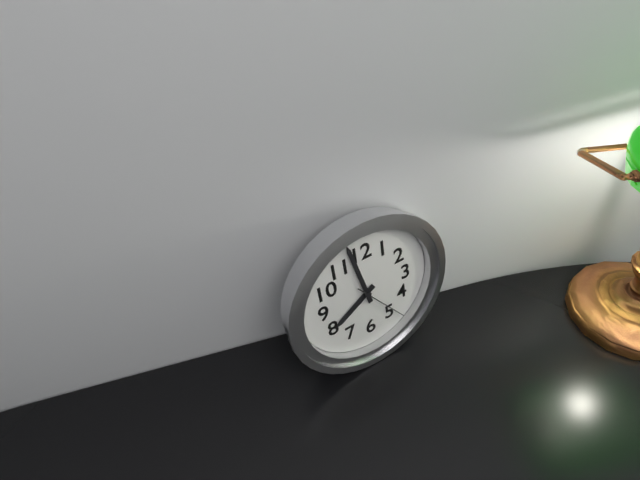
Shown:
h=7 m=58 s=24
